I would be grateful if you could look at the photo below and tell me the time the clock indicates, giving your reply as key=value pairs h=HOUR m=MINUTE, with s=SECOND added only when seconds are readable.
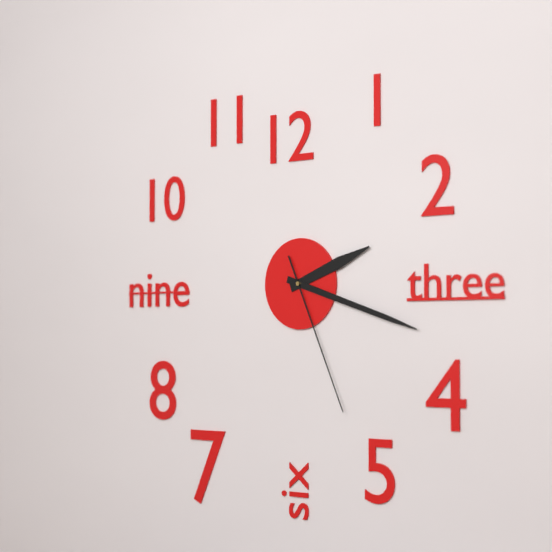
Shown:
h=2 m=18 s=26
